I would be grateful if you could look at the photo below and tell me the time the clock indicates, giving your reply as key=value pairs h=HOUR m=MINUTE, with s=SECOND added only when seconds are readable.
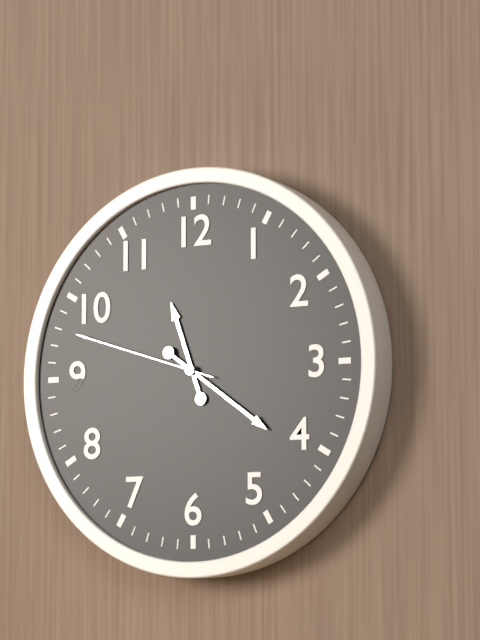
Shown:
h=11 m=21 s=48
